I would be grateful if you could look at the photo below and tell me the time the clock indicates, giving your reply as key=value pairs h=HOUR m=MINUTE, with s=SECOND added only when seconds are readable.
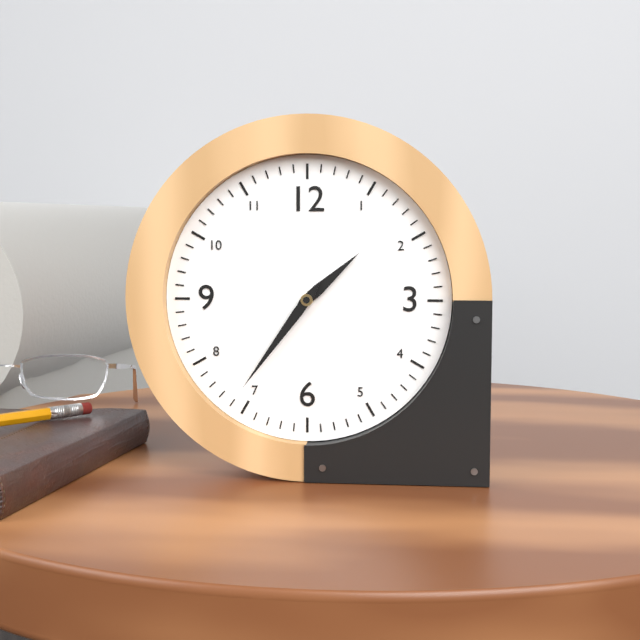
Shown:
h=1 m=36
